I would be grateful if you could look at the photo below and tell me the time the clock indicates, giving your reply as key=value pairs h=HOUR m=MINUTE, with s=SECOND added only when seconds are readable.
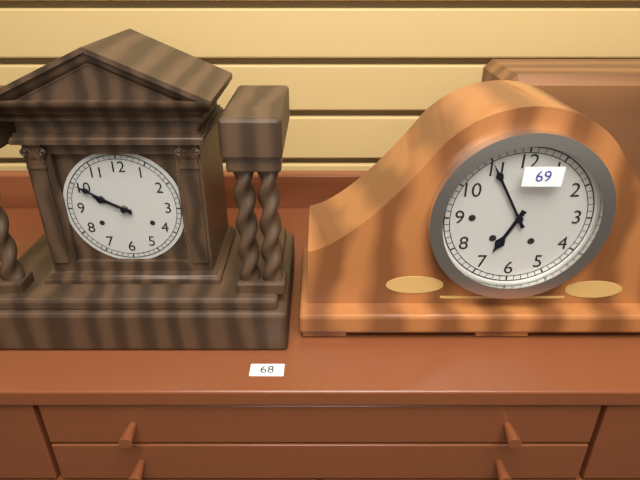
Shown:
h=9 m=50
